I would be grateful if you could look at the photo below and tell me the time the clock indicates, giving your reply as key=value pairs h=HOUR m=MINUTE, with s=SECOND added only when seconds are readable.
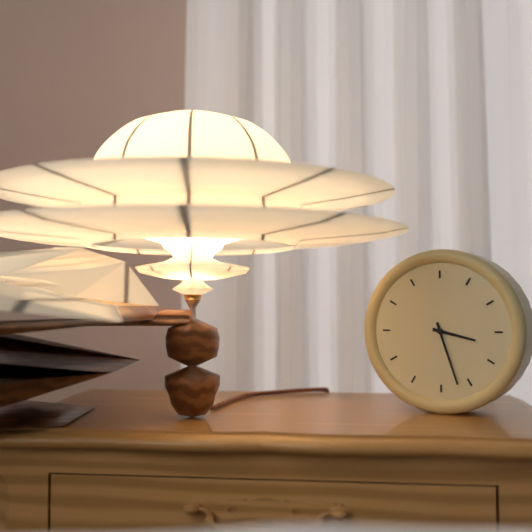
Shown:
h=3 m=27
